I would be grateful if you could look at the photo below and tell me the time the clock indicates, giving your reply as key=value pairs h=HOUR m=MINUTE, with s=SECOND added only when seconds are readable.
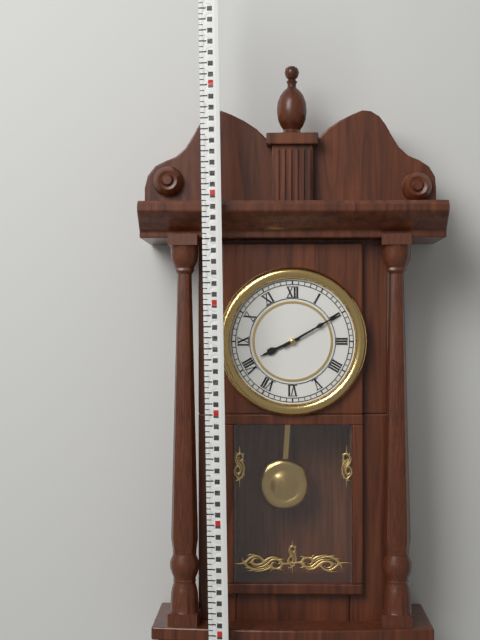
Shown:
h=8 m=10
